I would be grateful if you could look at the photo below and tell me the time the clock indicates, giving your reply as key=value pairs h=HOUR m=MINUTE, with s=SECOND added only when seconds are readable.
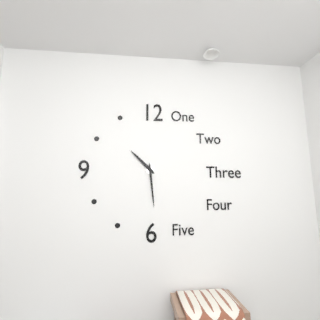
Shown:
h=10 m=29
